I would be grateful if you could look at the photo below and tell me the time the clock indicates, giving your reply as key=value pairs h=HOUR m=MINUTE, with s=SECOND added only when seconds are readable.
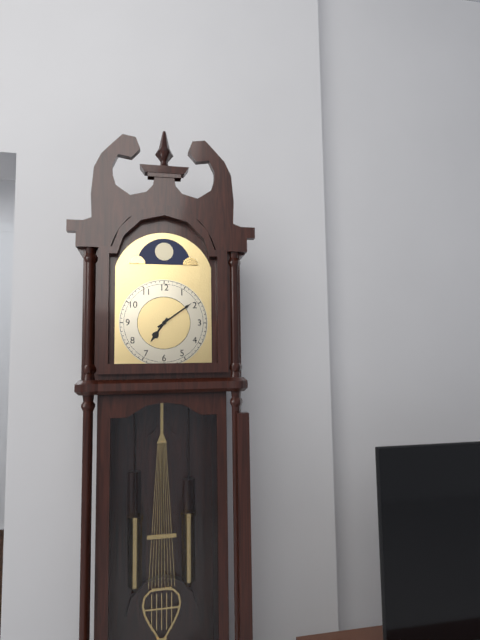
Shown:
h=7 m=9
